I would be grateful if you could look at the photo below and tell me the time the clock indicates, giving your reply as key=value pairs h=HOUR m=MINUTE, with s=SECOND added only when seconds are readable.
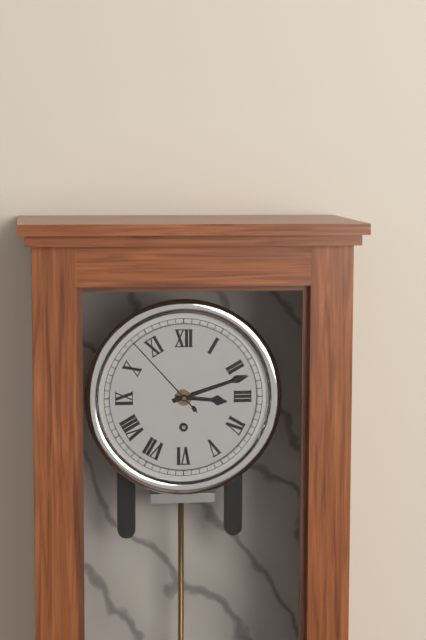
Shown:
h=3 m=12 s=53
